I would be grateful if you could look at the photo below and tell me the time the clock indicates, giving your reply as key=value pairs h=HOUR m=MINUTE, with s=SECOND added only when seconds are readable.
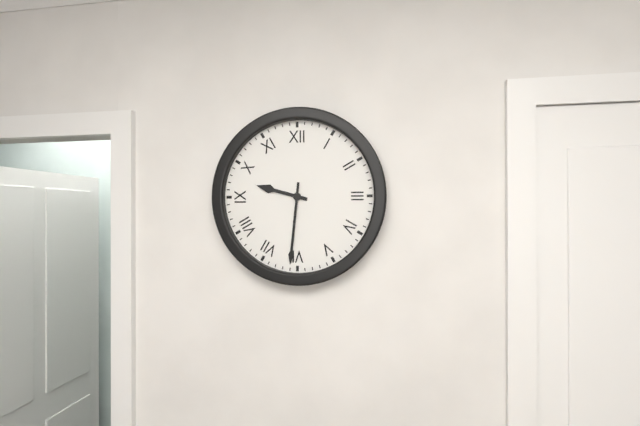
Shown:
h=9 m=31
